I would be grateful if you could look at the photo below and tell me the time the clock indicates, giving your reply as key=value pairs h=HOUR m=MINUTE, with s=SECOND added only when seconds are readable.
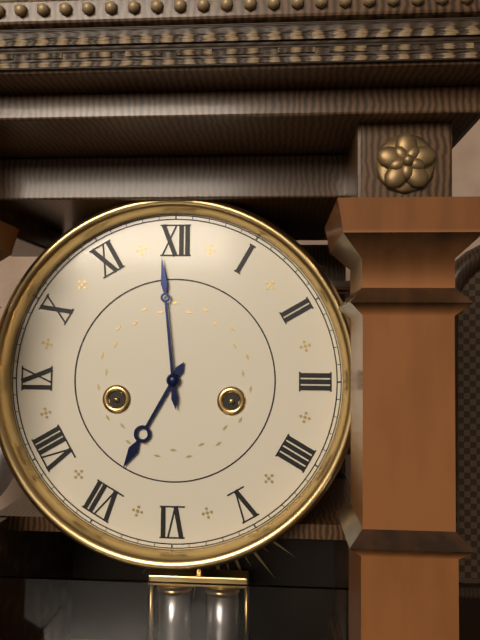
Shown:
h=6 m=59
